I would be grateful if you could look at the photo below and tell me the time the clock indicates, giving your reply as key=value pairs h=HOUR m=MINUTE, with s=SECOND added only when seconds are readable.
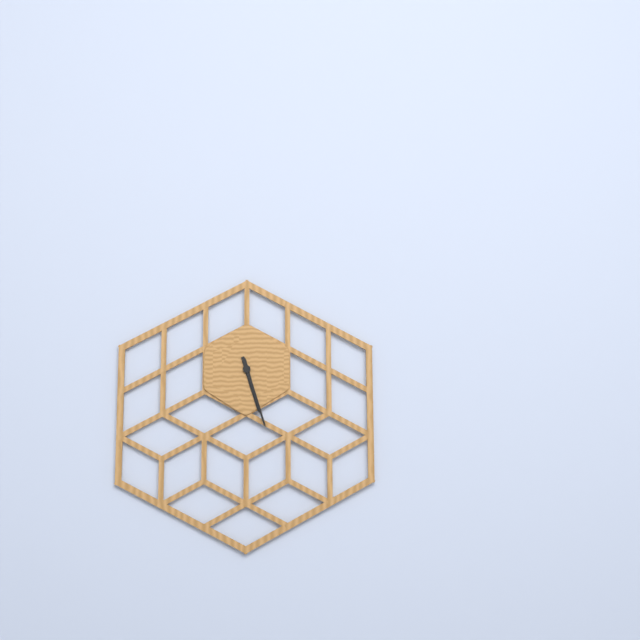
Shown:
h=5 m=27
